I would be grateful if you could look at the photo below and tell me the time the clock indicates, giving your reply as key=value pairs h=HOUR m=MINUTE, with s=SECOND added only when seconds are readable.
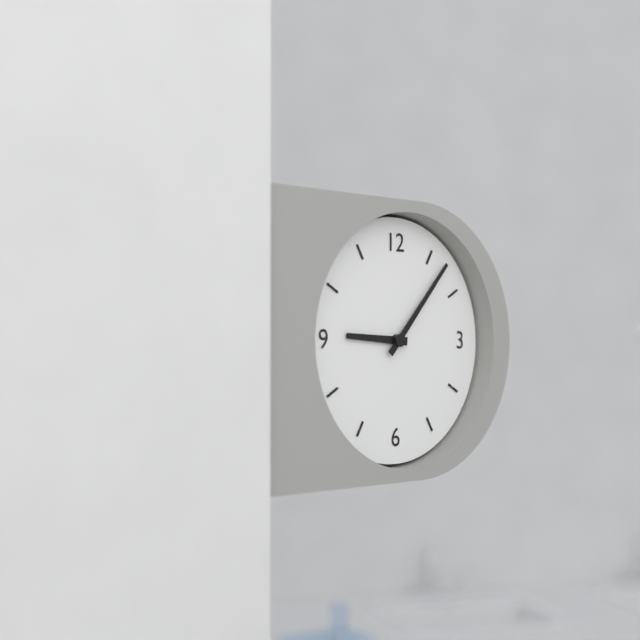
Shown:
h=9 m=7
